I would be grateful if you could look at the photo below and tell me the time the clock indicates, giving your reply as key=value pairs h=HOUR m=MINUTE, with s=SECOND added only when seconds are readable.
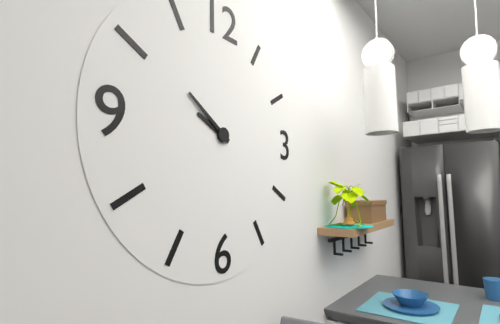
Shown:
h=9 m=51
